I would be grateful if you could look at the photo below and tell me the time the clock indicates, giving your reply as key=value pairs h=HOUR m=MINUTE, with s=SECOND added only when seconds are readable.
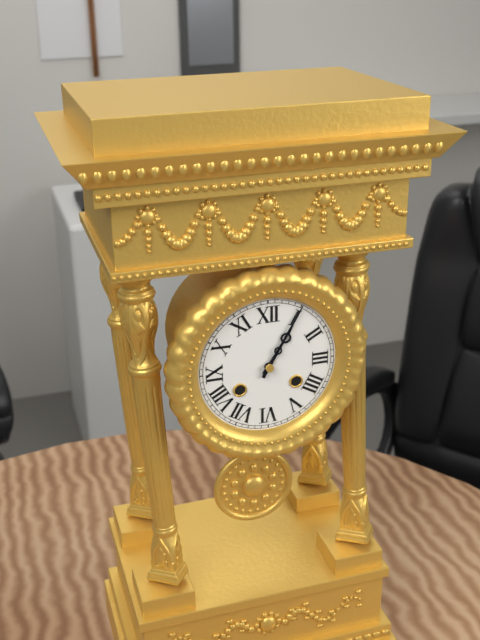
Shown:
h=1 m=5
